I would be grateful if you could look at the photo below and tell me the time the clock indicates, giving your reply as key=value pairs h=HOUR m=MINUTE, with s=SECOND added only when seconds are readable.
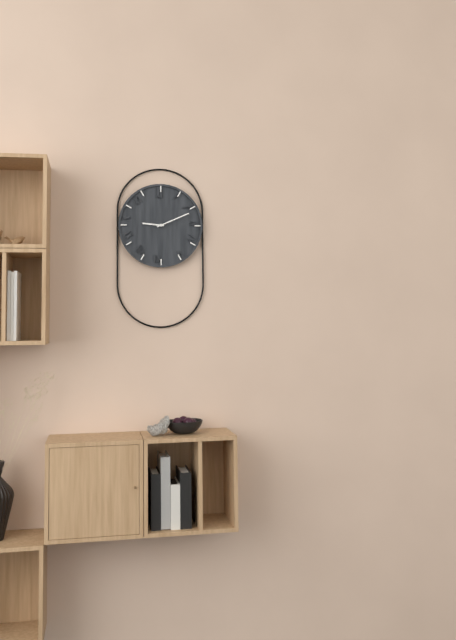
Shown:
h=9 m=11
